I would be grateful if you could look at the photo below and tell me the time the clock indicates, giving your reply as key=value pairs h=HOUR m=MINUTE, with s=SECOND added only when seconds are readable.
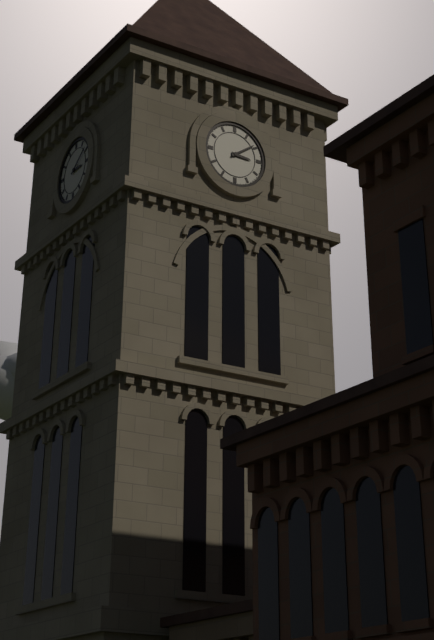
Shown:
h=3 m=9
